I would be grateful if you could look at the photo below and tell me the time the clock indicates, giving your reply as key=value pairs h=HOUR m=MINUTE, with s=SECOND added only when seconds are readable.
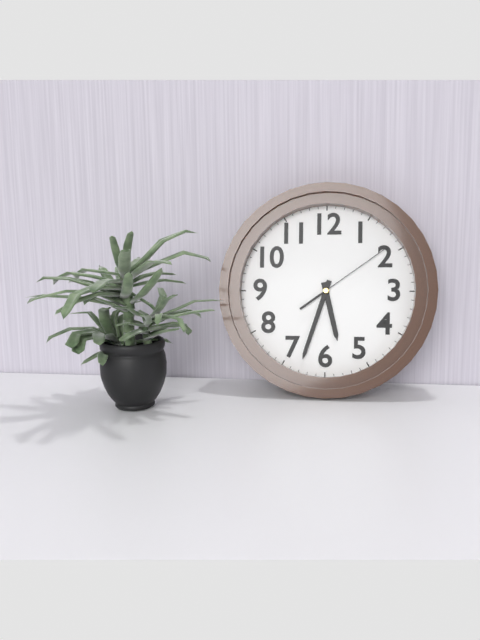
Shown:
h=5 m=33 s=9
